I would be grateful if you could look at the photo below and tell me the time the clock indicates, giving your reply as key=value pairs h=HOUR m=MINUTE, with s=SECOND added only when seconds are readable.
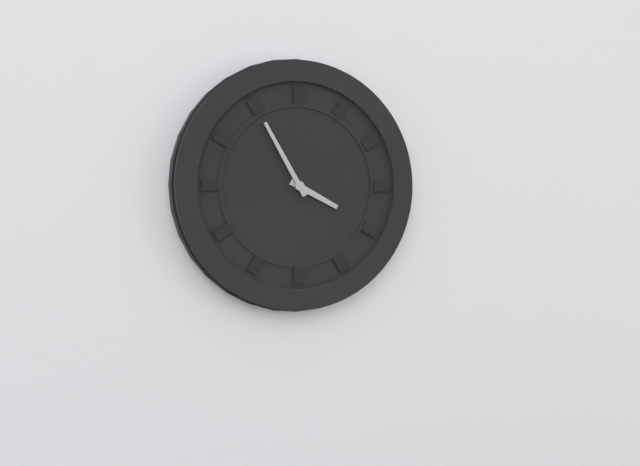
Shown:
h=3 m=55
